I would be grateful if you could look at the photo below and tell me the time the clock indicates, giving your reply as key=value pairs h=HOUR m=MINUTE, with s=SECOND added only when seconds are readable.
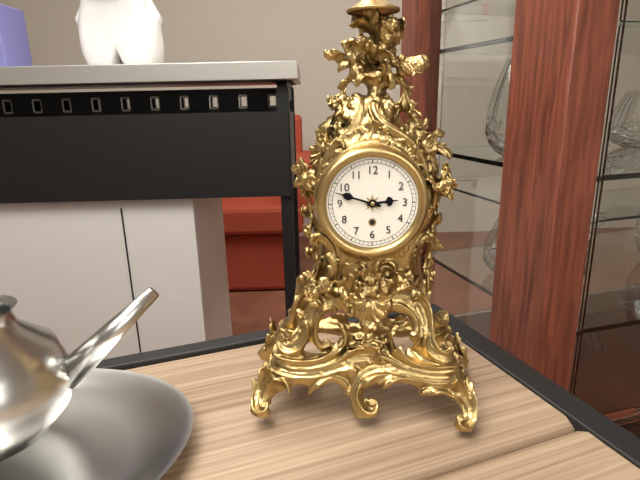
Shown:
h=2 m=48
